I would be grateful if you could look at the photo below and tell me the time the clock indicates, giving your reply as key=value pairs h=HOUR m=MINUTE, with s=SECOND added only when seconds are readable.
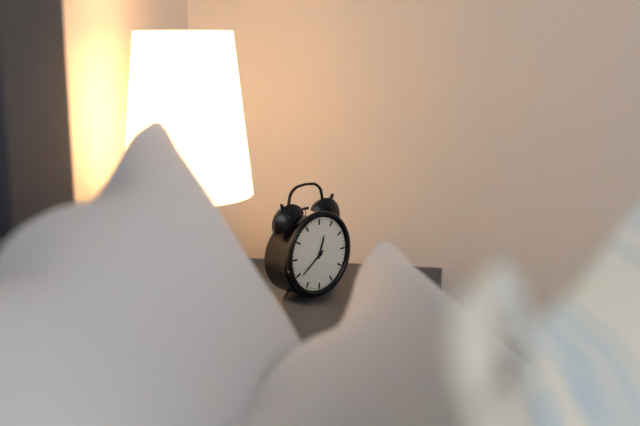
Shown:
h=12 m=39
